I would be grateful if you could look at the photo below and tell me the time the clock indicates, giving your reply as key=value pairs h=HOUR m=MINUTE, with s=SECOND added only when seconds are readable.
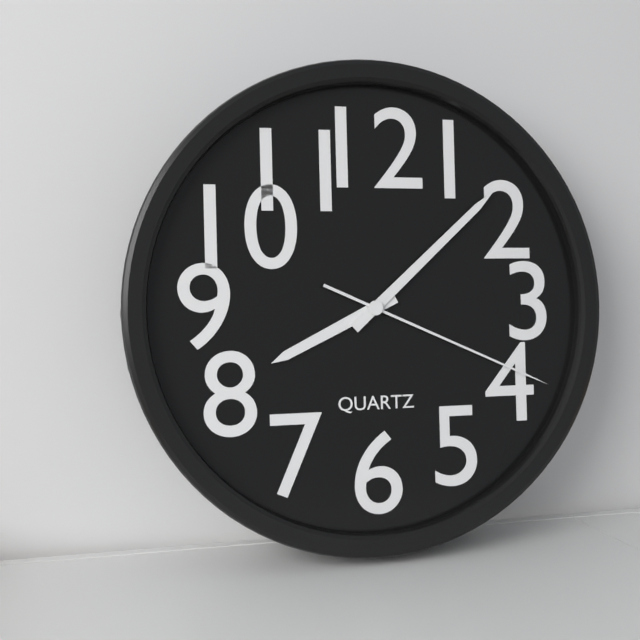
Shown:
h=8 m=8 s=19
